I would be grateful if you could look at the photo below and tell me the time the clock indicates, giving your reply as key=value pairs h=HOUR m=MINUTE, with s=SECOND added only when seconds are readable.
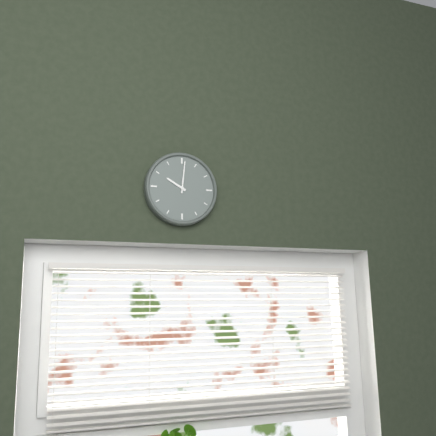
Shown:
h=10 m=1
